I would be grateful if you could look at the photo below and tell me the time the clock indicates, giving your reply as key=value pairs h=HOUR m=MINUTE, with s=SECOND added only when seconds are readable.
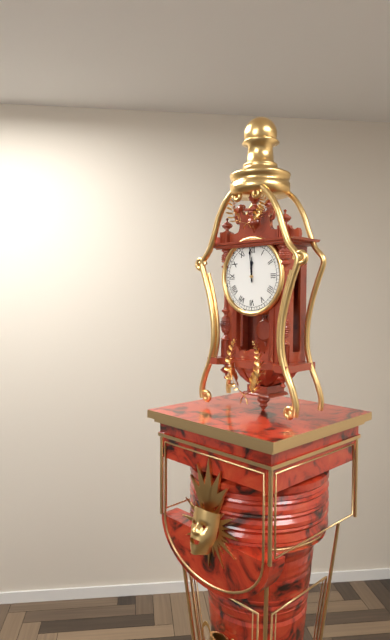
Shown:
h=11 m=59
